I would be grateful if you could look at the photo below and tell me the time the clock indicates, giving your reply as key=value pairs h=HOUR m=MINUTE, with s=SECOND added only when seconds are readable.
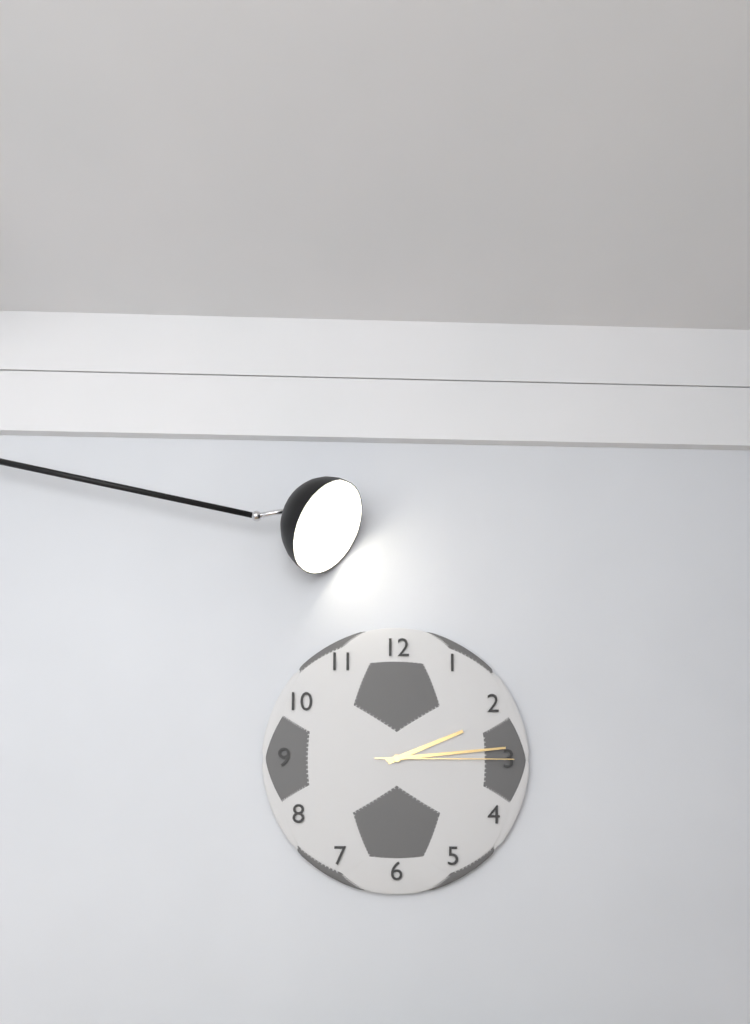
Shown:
h=2 m=14 s=15
